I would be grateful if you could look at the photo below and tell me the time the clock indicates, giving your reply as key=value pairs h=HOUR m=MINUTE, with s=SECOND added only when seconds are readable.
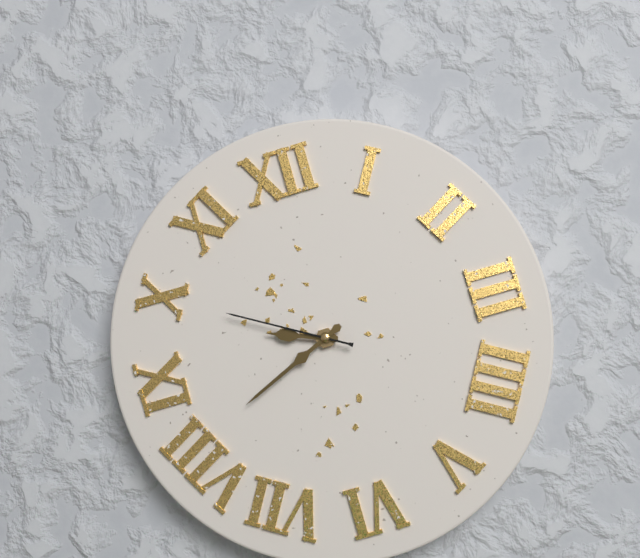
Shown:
h=9 m=41 s=50
